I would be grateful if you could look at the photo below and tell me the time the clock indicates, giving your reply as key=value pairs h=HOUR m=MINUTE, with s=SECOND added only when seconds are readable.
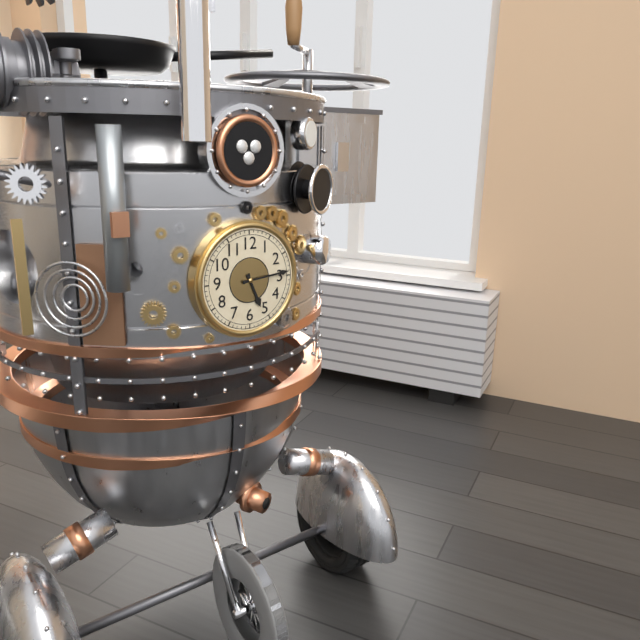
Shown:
h=5 m=14
